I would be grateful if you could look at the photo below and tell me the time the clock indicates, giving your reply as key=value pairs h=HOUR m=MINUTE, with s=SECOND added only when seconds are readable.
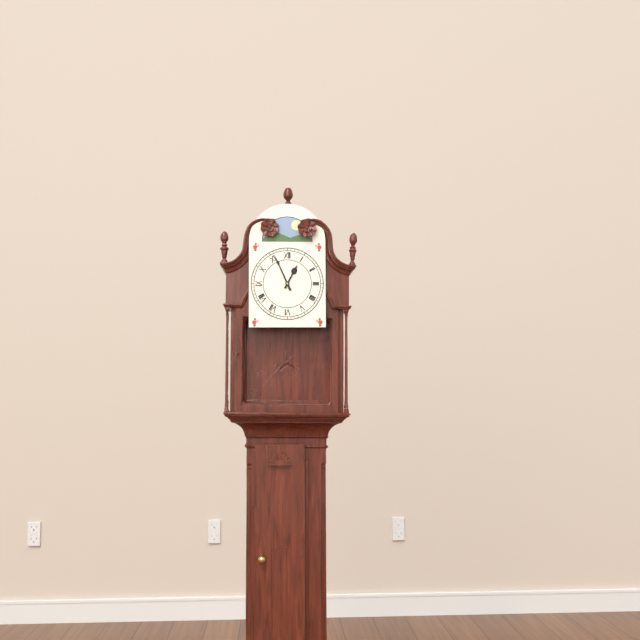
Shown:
h=12 m=56
